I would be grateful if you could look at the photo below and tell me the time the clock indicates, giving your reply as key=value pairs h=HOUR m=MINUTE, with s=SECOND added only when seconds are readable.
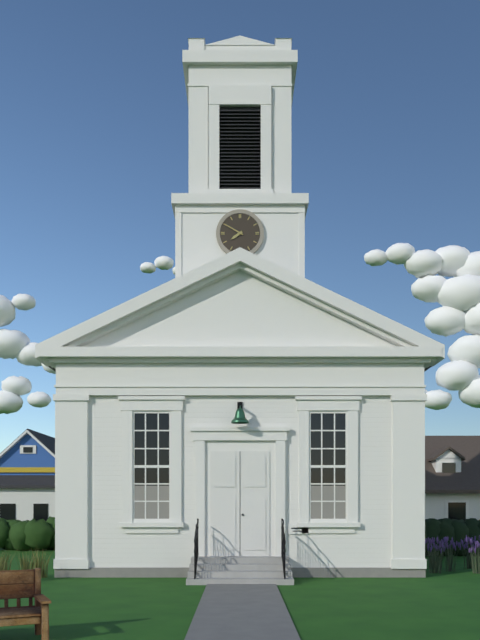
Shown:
h=7 m=50
